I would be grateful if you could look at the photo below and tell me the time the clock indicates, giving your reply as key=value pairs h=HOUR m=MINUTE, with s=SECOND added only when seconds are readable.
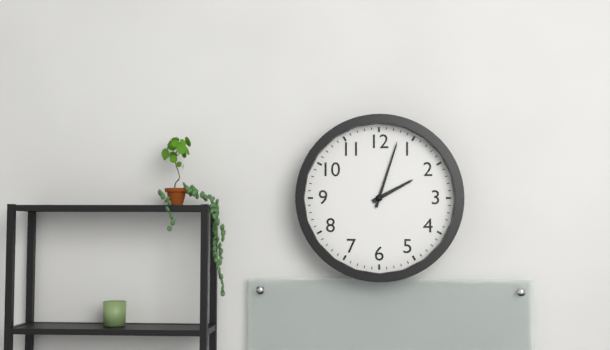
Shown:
h=2 m=3
